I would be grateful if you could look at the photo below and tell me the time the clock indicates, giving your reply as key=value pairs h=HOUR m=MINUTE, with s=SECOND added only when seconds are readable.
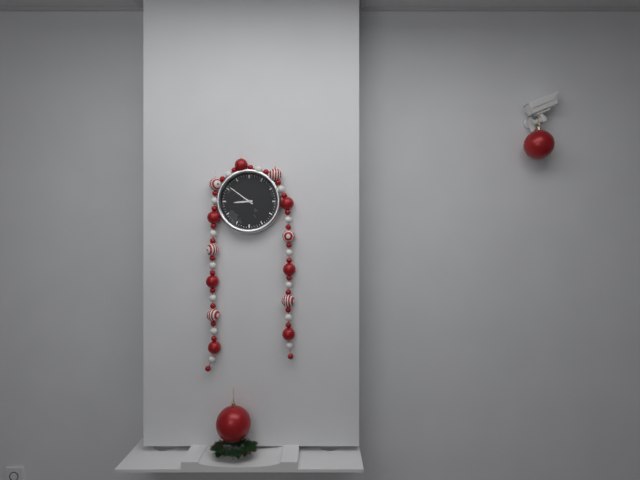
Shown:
h=8 m=51
